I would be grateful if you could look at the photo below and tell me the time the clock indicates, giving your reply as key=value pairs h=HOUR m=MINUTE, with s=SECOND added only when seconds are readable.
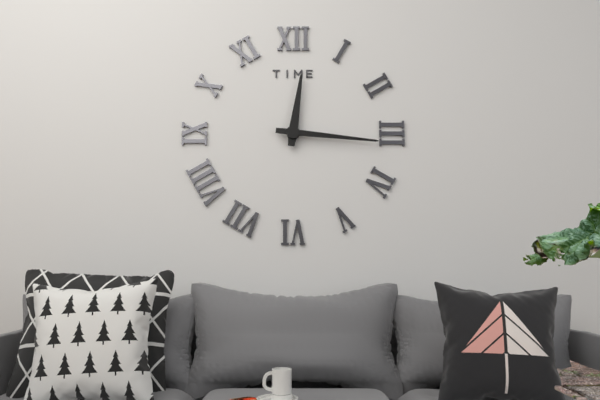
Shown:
h=12 m=16
